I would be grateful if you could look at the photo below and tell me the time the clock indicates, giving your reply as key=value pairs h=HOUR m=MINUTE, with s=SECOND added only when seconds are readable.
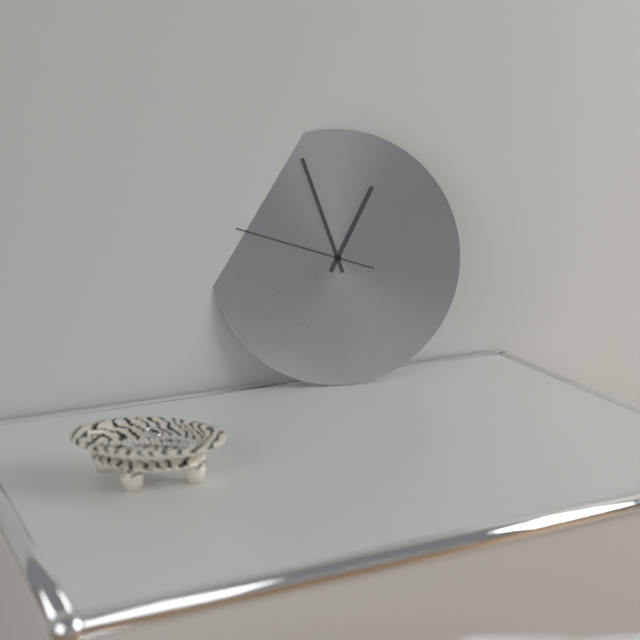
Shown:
h=12 m=57 s=48
